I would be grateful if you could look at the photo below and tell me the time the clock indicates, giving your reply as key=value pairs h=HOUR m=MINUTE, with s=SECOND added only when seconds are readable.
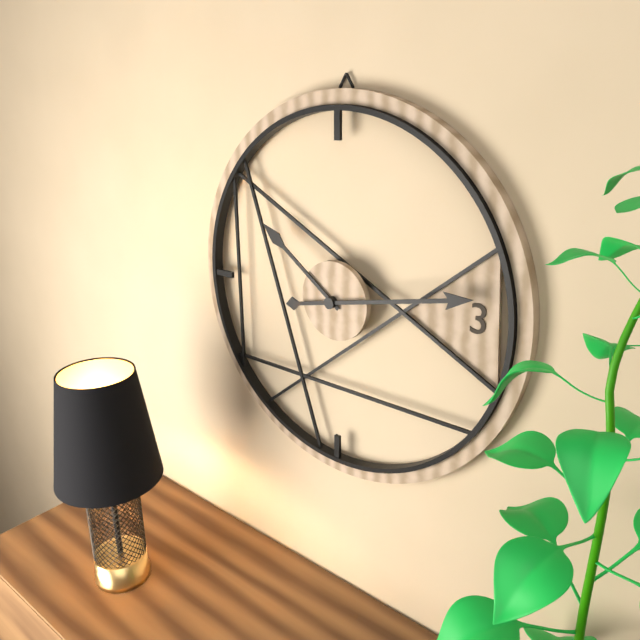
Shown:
h=10 m=13
